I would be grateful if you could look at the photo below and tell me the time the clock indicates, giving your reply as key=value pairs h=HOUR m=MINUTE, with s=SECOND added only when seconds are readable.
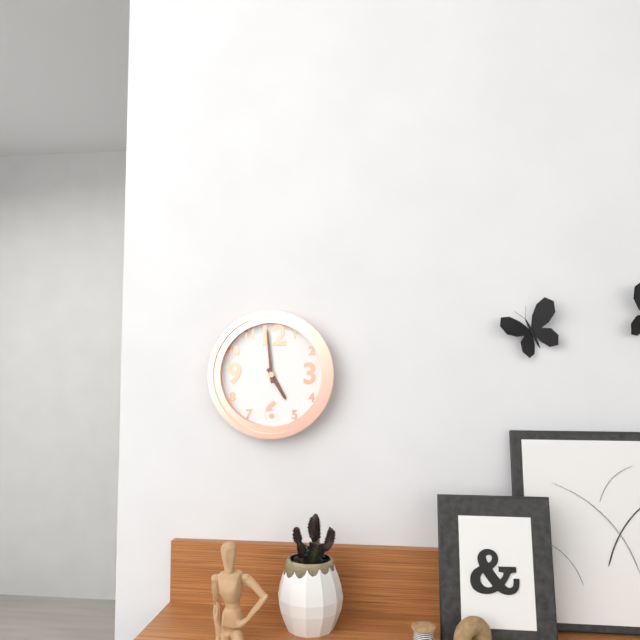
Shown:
h=4 m=59
